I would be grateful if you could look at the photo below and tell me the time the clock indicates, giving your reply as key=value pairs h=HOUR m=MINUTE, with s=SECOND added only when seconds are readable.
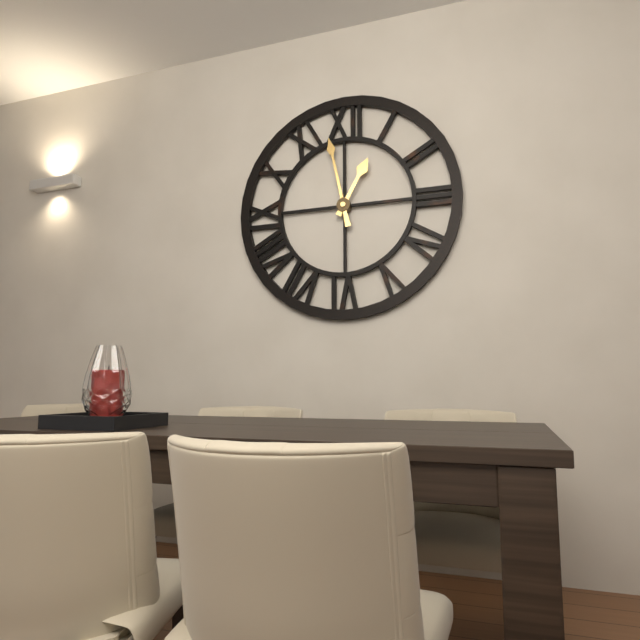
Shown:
h=12 m=58
